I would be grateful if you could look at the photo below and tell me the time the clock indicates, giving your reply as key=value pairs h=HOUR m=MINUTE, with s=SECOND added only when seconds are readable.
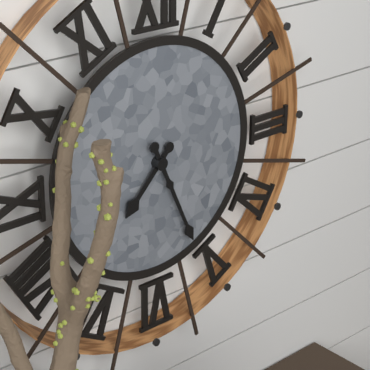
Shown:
h=7 m=26
